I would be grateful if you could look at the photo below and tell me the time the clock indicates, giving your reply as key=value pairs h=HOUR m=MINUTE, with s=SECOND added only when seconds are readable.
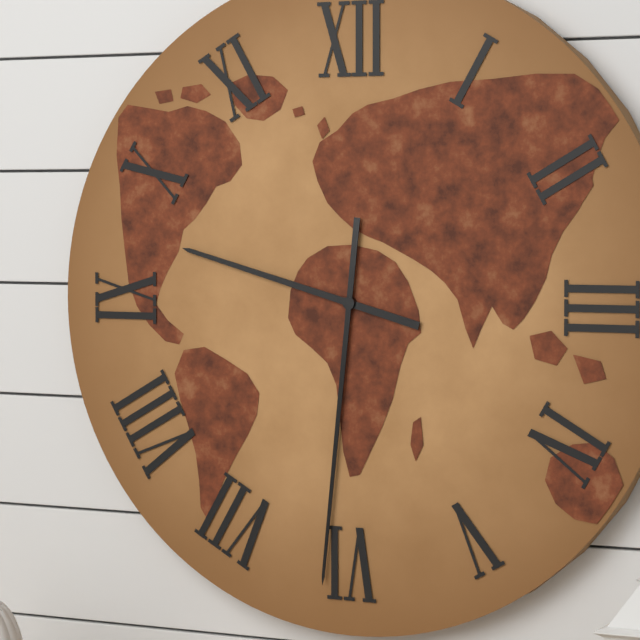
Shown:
h=9 m=31
